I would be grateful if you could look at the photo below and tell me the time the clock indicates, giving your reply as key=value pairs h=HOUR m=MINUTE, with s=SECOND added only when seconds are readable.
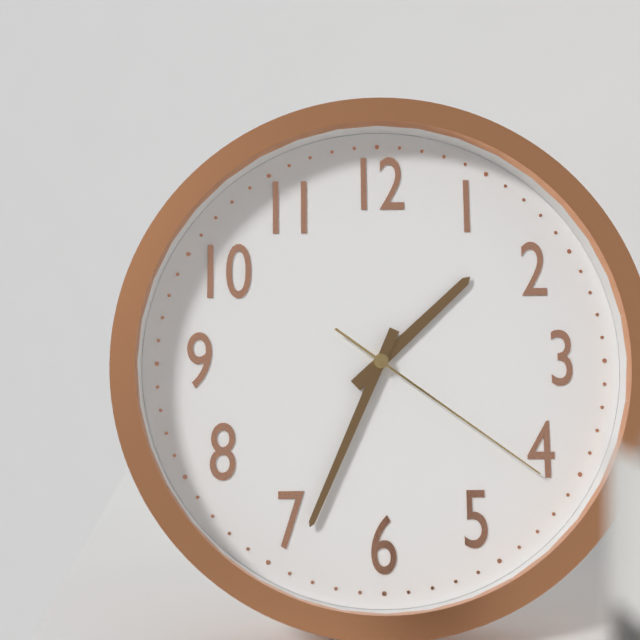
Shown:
h=1 m=34 s=21
